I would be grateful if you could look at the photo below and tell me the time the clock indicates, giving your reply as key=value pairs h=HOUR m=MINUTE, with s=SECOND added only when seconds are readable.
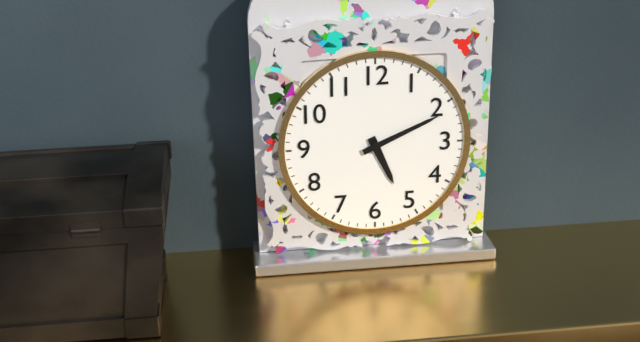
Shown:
h=5 m=11
